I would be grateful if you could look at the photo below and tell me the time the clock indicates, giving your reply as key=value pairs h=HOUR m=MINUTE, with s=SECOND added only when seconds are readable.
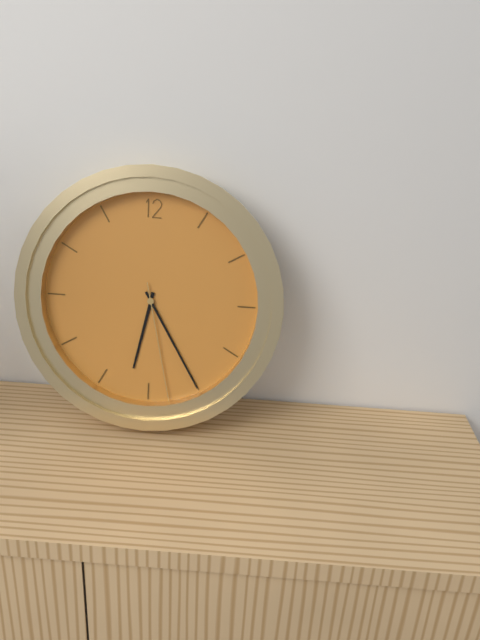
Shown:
h=6 m=25 s=28
